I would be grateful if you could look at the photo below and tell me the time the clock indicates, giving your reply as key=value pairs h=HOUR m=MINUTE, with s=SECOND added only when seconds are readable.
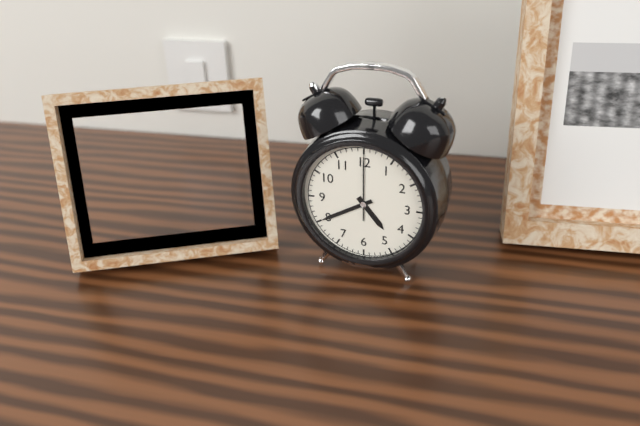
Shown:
h=4 m=40 s=0
